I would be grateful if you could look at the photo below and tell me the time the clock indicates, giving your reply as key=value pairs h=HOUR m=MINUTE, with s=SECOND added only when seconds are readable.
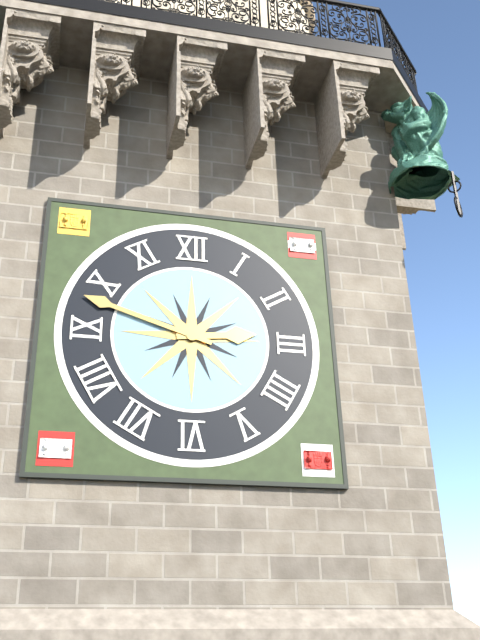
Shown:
h=2 m=48
